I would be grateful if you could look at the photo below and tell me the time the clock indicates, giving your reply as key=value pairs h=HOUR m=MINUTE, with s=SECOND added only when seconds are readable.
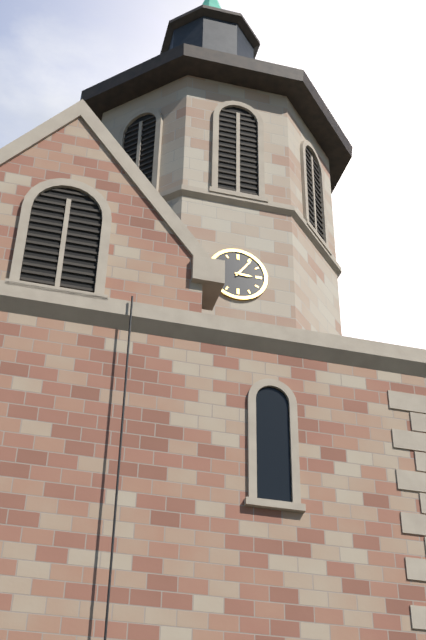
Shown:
h=3 m=6
